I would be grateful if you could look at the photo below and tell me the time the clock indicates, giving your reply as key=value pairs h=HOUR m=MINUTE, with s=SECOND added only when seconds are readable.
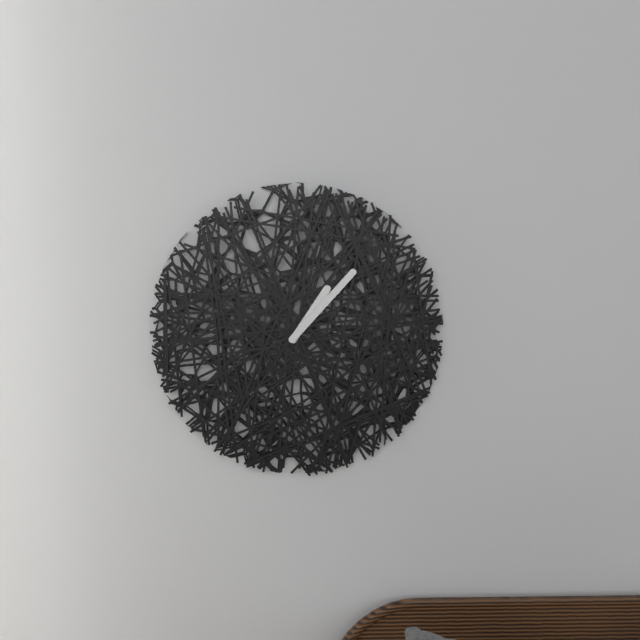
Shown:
h=1 m=7
